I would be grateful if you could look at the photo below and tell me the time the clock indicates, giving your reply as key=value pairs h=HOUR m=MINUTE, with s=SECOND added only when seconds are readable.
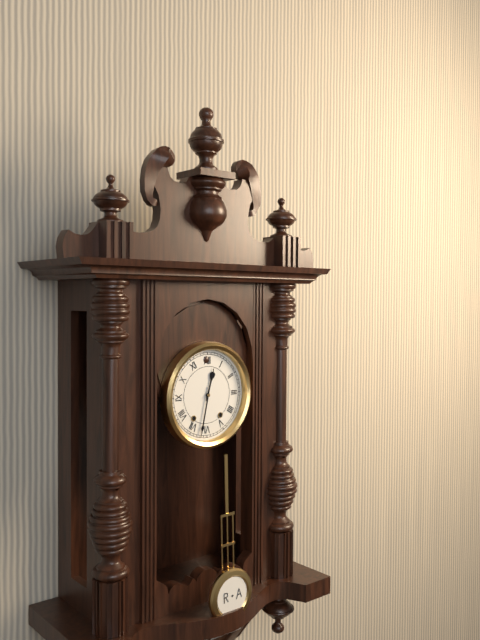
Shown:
h=12 m=32
